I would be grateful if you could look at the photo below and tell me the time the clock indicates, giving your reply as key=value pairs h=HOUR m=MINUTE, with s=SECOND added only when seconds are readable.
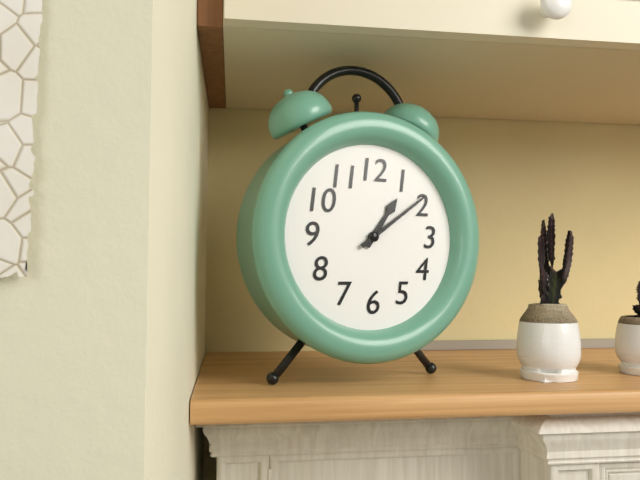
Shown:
h=1 m=9
